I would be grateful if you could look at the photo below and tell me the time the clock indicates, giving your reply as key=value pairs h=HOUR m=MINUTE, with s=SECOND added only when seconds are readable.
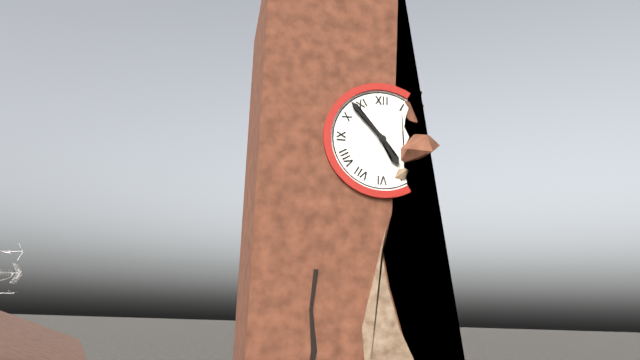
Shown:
h=4 m=53
